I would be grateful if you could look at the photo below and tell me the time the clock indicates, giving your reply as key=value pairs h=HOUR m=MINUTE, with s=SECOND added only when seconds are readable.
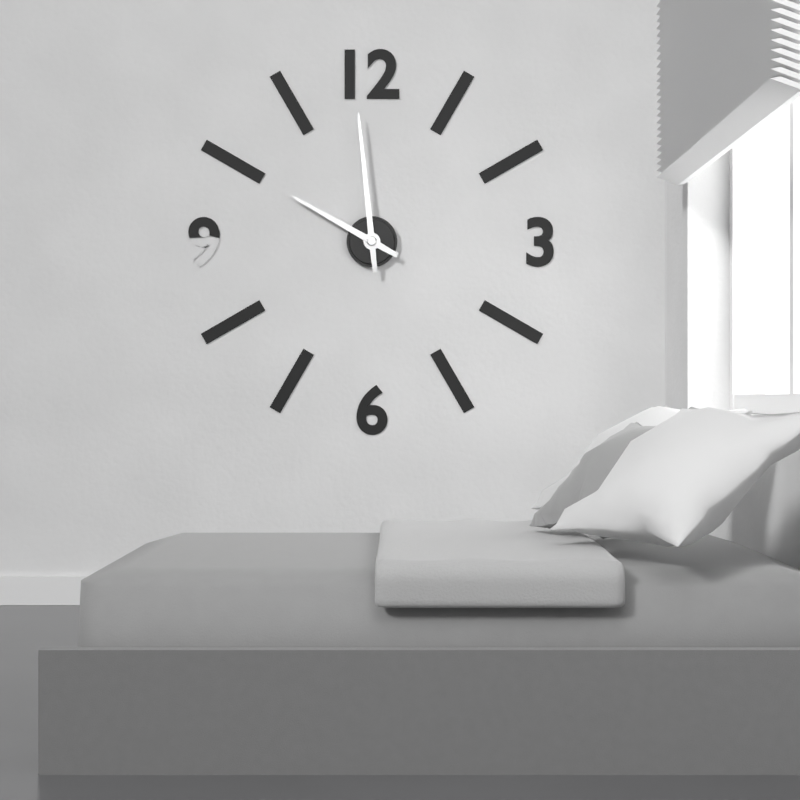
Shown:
h=9 m=59
